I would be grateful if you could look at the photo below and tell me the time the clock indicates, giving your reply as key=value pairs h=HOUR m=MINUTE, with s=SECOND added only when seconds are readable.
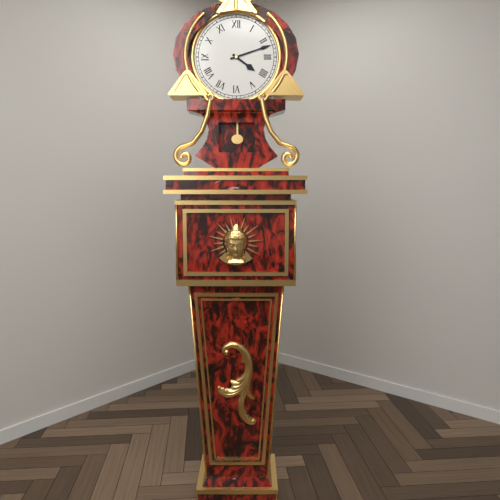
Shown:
h=4 m=12
